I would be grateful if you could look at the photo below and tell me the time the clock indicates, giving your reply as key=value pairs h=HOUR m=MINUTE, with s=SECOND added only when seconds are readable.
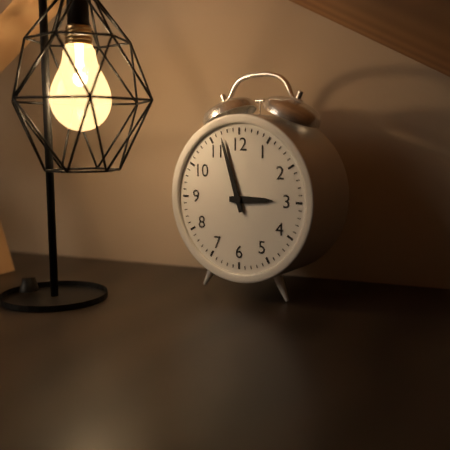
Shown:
h=2 m=57
